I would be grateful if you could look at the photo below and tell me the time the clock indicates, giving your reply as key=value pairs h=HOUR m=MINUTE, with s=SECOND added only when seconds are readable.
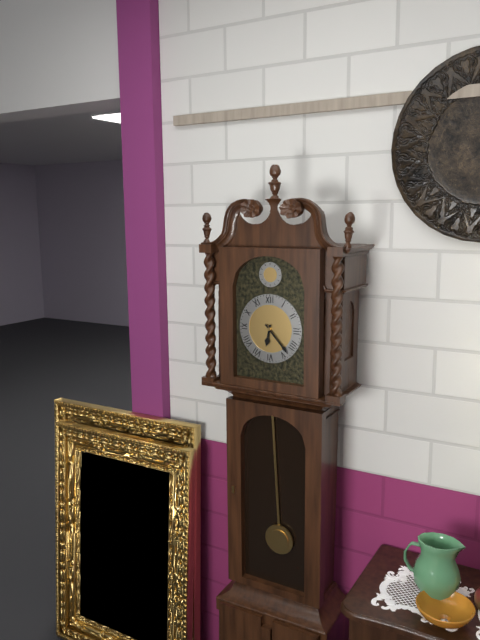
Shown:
h=6 m=23
